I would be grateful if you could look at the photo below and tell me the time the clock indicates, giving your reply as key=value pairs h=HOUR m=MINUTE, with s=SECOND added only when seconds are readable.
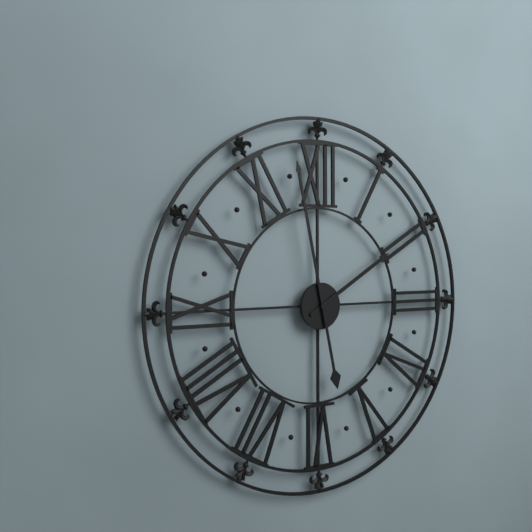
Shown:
h=1 m=58
